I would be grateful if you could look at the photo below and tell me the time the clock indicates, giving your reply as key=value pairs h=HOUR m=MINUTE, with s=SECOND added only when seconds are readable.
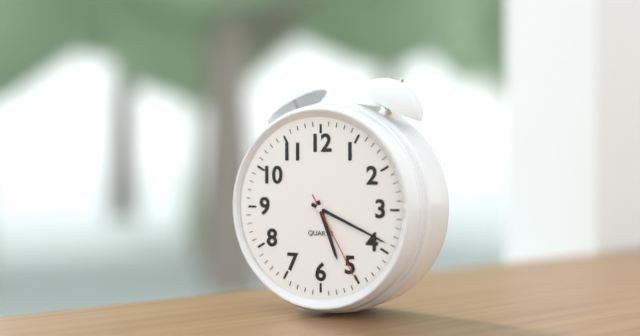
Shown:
h=5 m=19 s=25
